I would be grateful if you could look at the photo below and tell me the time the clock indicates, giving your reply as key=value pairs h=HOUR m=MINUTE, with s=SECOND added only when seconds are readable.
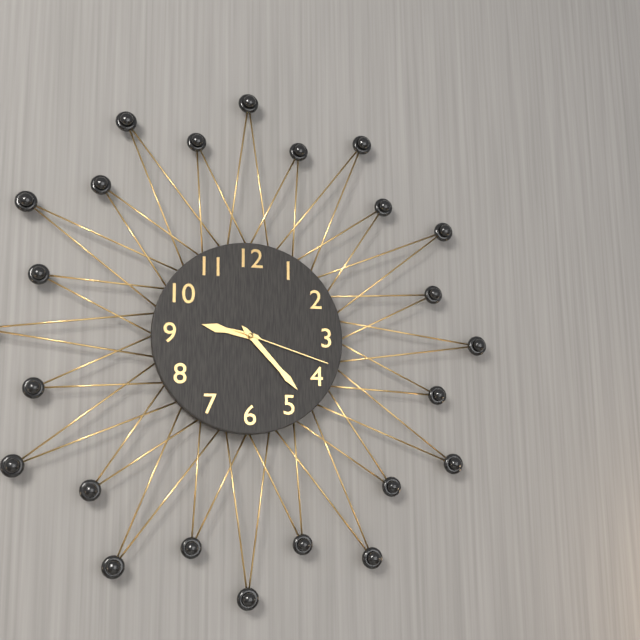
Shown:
h=9 m=23 s=18
